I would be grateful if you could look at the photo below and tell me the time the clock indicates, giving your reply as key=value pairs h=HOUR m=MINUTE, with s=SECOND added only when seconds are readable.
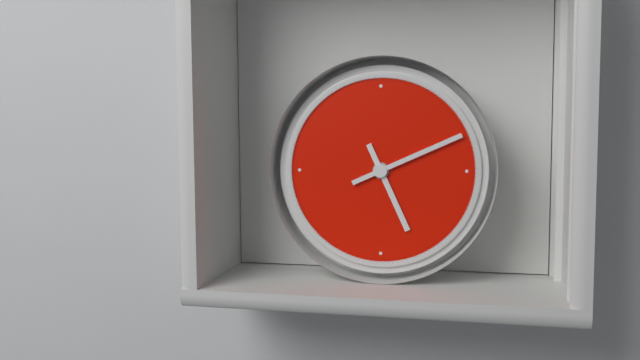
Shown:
h=5 m=11
